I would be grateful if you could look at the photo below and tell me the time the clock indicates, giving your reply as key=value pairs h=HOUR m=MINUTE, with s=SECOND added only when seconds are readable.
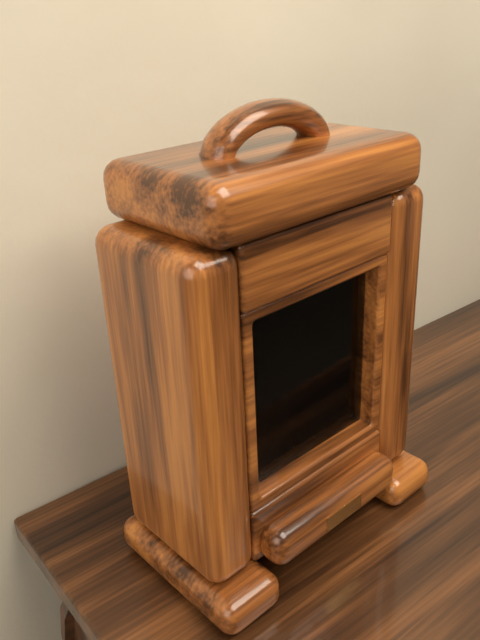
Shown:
h=6 m=57 s=33
